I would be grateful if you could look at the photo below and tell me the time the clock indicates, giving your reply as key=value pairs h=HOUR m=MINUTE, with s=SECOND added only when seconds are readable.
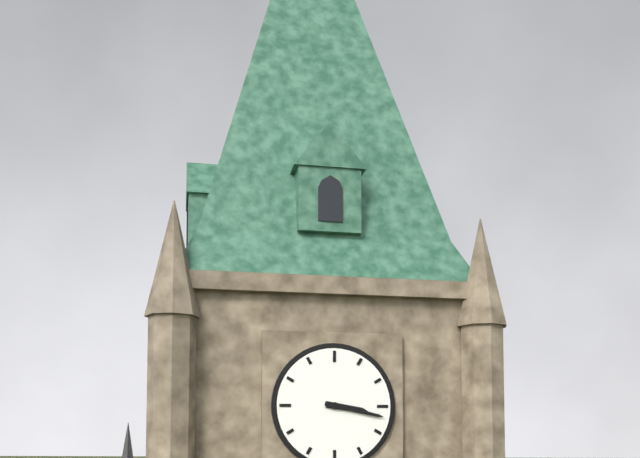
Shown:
h=3 m=17
